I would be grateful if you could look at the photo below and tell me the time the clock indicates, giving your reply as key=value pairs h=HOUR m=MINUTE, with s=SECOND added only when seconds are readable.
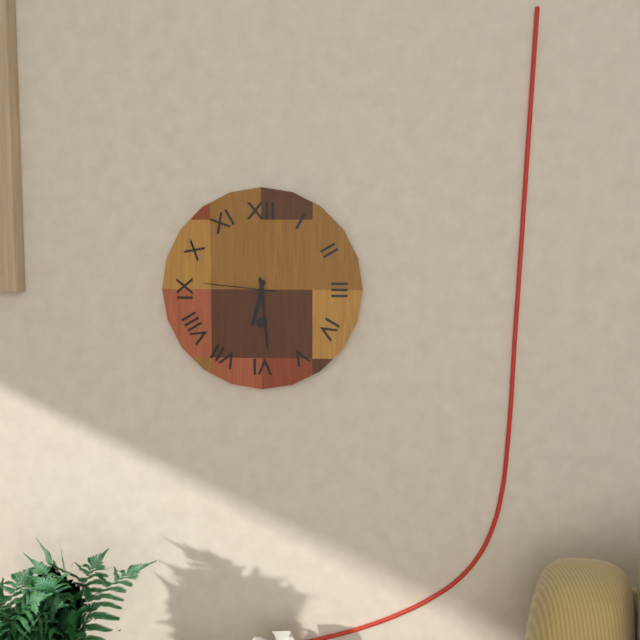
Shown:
h=6 m=29 s=46
